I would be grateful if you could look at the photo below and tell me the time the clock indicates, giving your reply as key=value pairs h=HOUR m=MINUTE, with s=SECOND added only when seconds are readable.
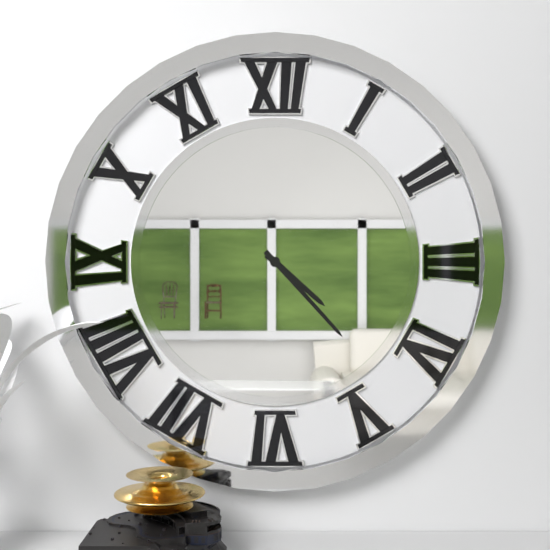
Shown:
h=4 m=23
